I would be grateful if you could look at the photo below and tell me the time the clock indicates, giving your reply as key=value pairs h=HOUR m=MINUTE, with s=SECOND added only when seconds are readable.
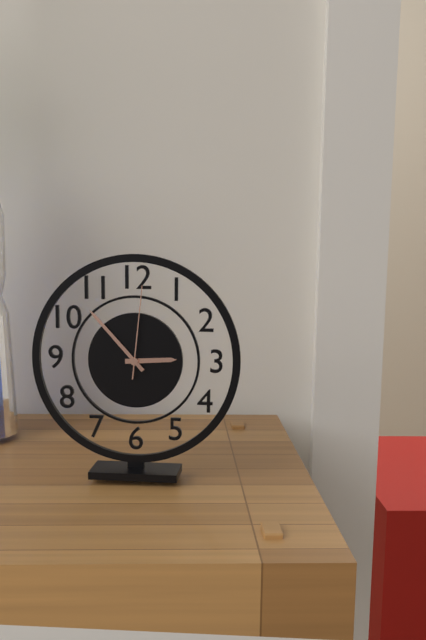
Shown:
h=2 m=53 s=1
